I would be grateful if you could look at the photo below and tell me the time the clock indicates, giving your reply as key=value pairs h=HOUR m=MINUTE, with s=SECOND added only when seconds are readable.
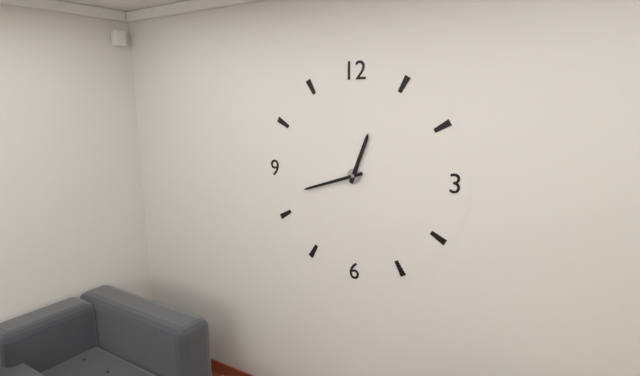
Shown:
h=12 m=42
